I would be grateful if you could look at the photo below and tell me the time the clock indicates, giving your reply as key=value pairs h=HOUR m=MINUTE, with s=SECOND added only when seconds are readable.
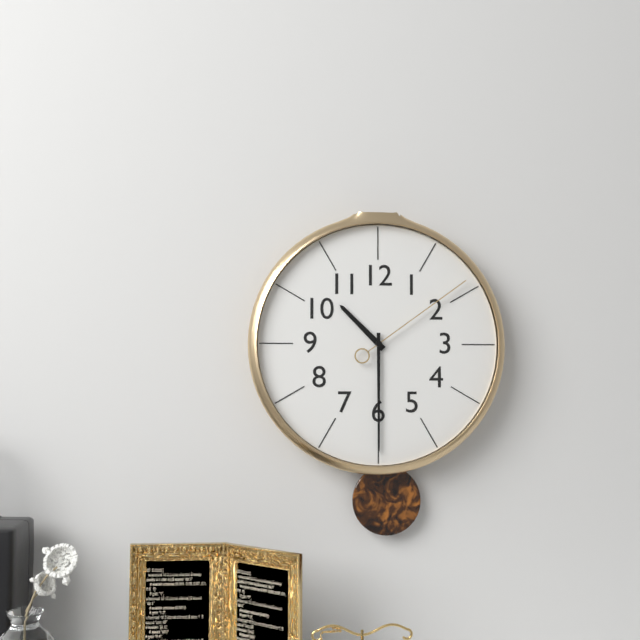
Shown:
h=10 m=30 s=9
